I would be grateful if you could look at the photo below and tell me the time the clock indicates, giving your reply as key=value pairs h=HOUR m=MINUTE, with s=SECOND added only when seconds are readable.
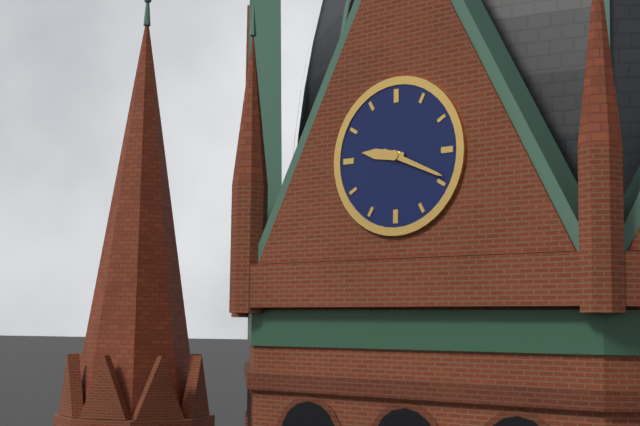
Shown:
h=9 m=19
